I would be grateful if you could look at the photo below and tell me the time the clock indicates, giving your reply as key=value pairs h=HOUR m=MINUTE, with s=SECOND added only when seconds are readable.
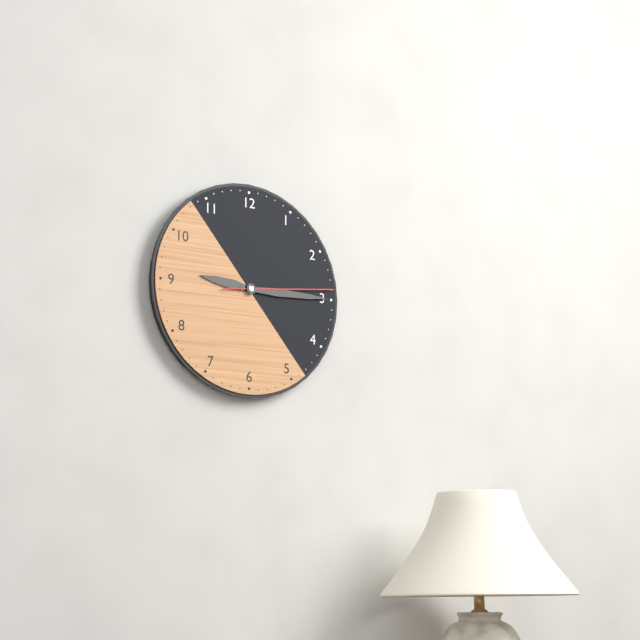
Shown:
h=9 m=15 s=14
